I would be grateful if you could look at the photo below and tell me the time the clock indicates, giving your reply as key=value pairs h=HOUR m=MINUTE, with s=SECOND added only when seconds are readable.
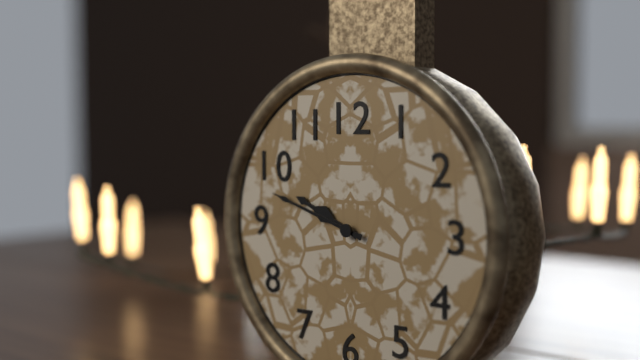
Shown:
h=9 m=48
